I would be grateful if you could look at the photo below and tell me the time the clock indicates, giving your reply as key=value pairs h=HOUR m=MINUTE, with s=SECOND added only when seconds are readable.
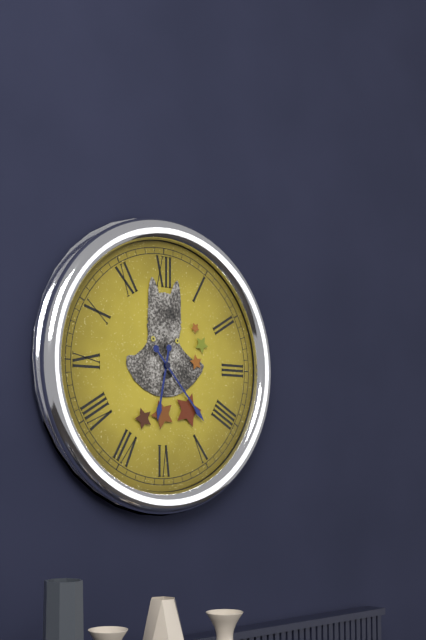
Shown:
h=6 m=23
